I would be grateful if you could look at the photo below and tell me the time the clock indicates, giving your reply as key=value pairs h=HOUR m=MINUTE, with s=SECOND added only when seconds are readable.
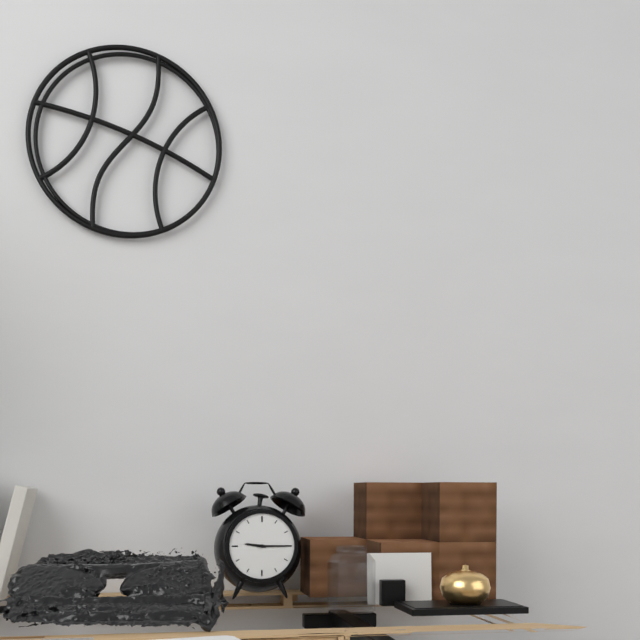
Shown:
h=9 m=15
